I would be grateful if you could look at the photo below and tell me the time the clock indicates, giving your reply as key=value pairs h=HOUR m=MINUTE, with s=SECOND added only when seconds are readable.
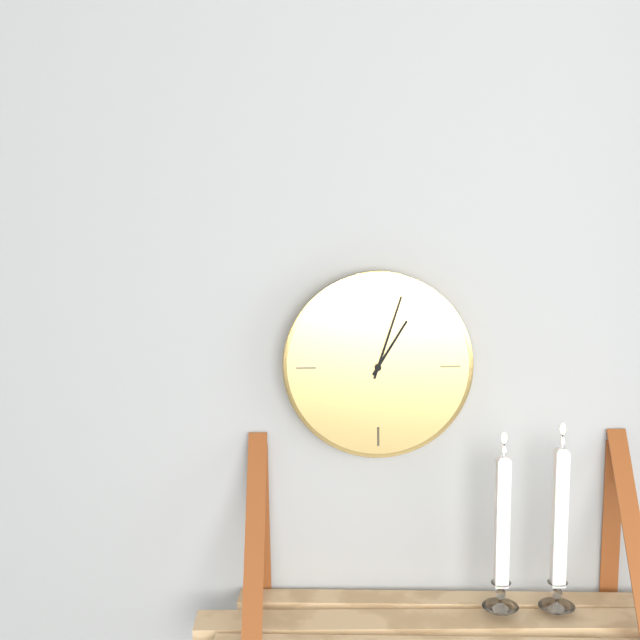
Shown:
h=1 m=3
